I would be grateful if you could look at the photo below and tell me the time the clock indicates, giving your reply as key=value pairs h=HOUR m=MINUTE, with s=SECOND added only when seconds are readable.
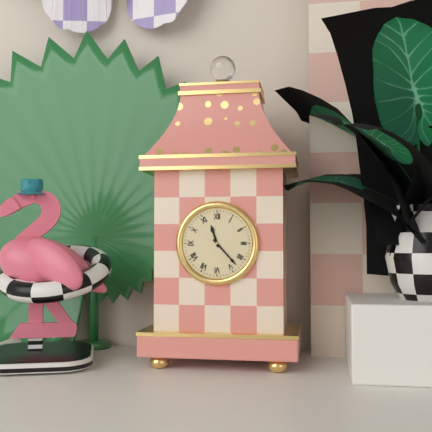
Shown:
h=11 m=23
